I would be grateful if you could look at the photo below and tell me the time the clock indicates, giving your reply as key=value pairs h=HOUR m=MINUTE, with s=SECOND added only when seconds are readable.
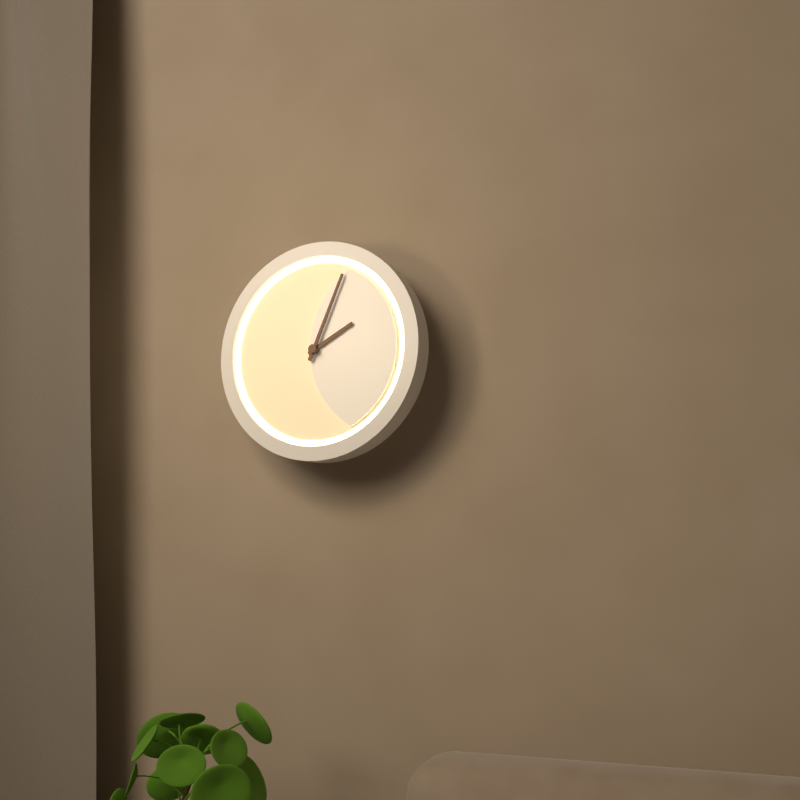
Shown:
h=2 m=4
